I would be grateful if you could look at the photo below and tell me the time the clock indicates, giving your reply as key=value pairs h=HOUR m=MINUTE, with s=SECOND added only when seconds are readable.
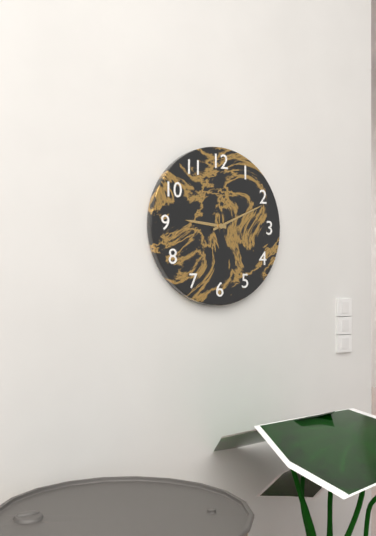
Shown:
h=9 m=11
